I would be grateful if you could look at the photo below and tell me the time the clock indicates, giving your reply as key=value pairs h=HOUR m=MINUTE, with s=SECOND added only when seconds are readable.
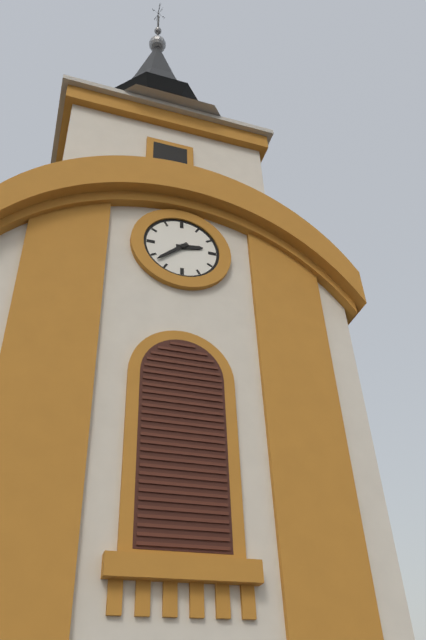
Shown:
h=2 m=38
